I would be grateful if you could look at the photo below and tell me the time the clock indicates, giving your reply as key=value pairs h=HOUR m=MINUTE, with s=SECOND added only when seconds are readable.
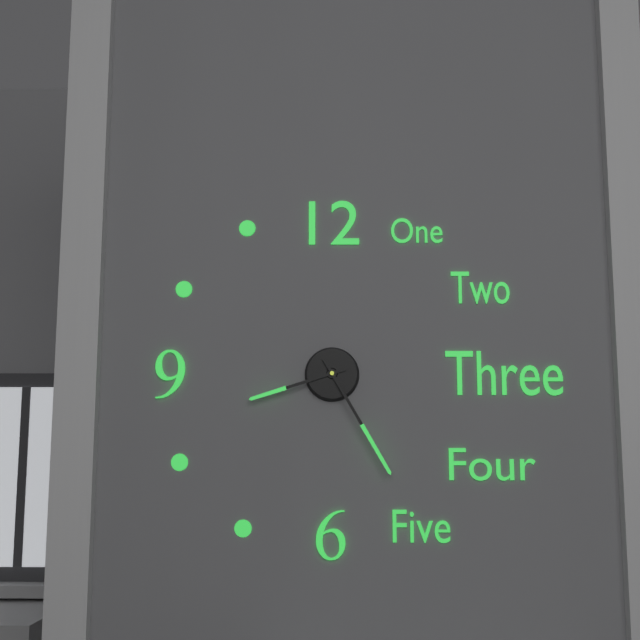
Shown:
h=8 m=25
